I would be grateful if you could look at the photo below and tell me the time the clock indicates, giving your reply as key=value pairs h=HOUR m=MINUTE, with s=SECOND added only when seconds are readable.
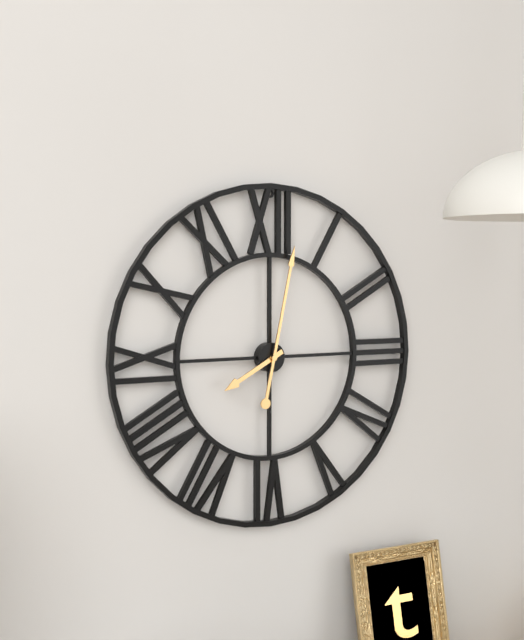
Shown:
h=8 m=2
